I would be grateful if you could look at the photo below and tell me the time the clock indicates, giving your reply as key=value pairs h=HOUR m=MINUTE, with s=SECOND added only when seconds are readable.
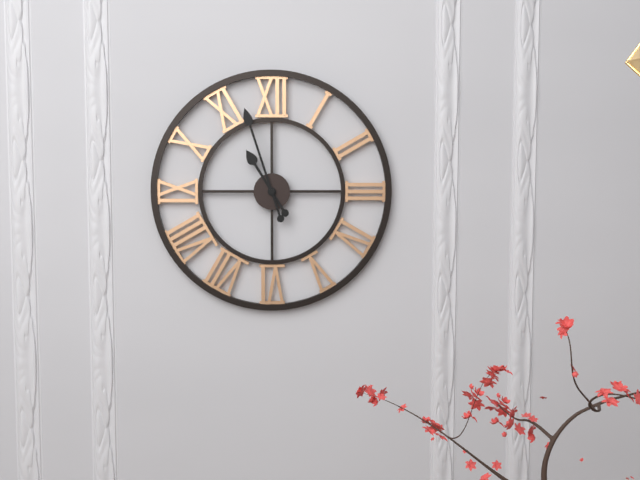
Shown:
h=10 m=57
